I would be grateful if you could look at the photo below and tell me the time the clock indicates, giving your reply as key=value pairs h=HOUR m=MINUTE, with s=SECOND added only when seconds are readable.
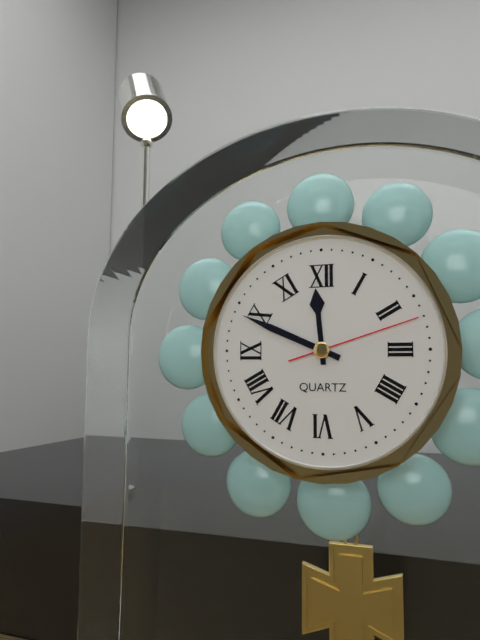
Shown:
h=11 m=49 s=12
